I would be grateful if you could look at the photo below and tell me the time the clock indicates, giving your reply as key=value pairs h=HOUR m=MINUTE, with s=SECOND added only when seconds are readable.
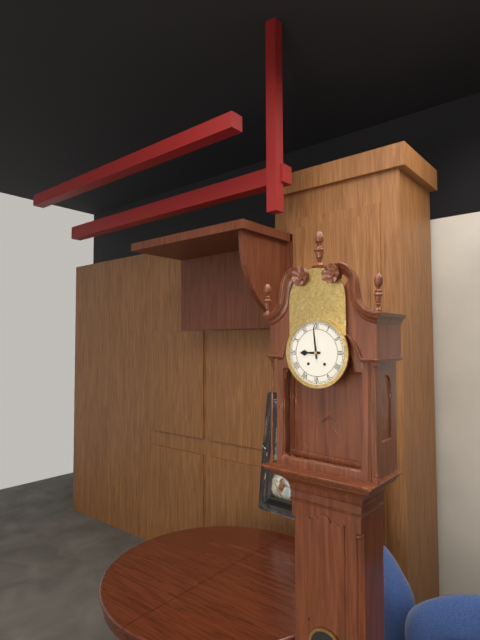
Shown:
h=8 m=59
